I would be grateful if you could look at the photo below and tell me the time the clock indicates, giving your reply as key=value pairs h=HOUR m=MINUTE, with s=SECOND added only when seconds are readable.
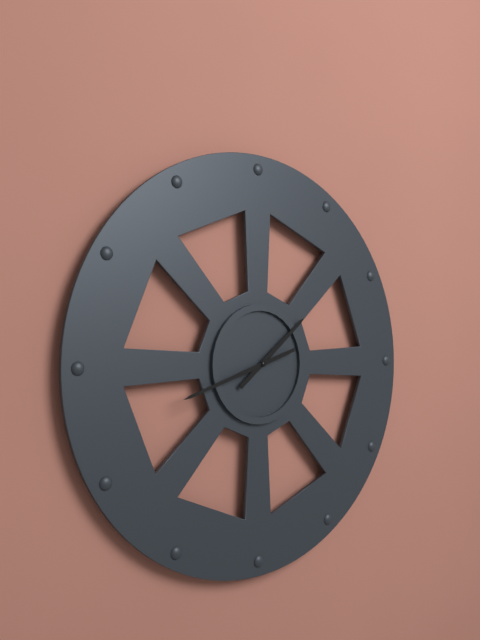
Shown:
h=1 m=42
